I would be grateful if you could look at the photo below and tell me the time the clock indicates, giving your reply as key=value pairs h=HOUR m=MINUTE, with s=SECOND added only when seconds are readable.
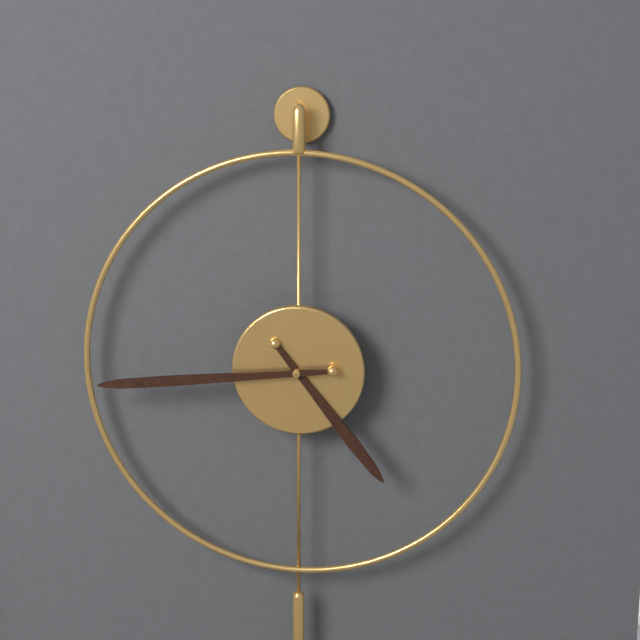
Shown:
h=4 m=44
